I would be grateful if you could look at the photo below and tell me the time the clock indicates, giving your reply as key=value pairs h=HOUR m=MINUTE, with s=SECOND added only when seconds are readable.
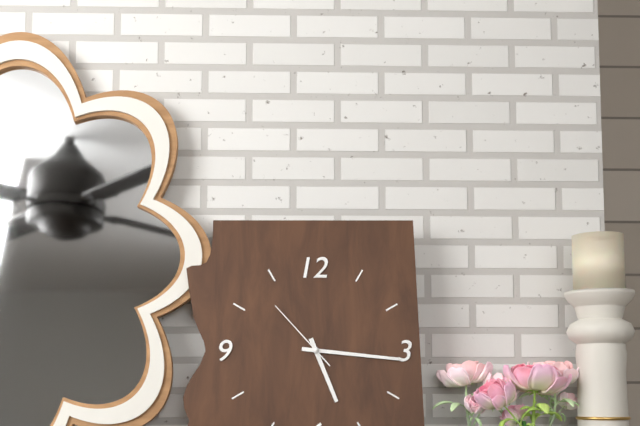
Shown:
h=5 m=16 s=53
